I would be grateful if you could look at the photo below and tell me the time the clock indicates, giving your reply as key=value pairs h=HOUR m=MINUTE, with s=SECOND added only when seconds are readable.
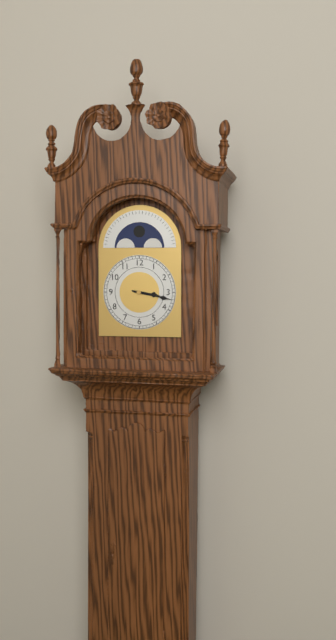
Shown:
h=3 m=17
